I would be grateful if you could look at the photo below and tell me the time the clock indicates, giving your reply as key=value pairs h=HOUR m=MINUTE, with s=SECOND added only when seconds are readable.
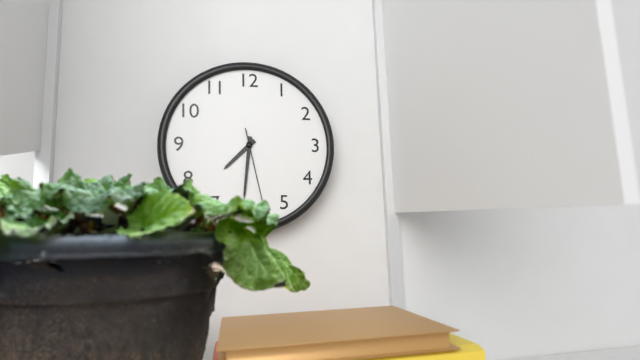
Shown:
h=7 m=31 s=28
